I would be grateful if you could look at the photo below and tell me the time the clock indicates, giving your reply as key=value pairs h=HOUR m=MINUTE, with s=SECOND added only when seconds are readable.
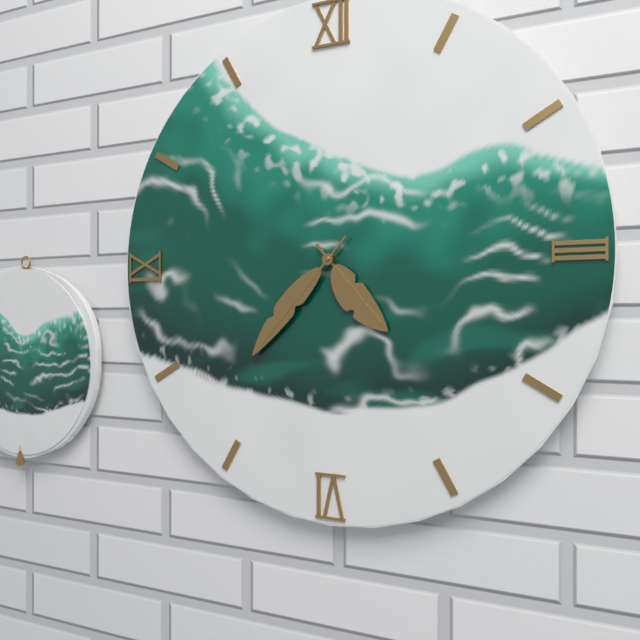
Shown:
h=4 m=37
